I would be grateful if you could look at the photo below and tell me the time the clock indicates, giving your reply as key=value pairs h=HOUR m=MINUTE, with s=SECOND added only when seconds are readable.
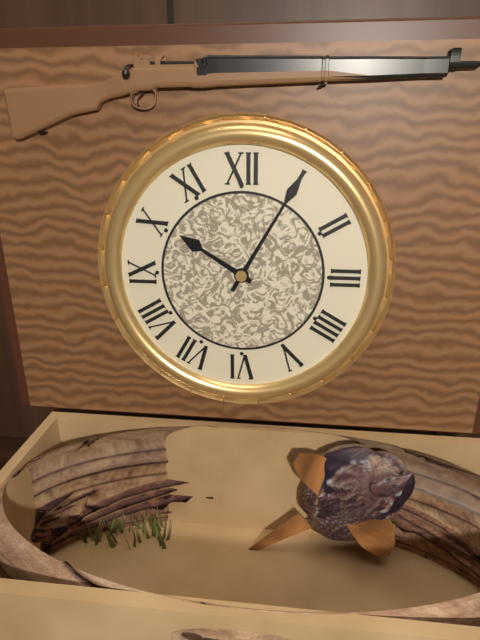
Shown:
h=10 m=5
